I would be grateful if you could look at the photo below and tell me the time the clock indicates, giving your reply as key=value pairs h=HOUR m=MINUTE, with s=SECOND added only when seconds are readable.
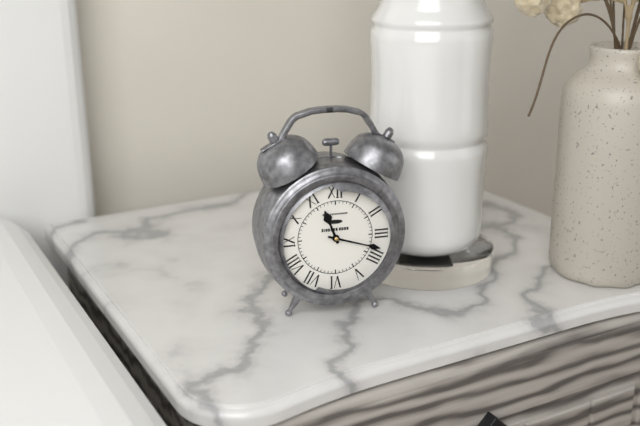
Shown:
h=11 m=18
